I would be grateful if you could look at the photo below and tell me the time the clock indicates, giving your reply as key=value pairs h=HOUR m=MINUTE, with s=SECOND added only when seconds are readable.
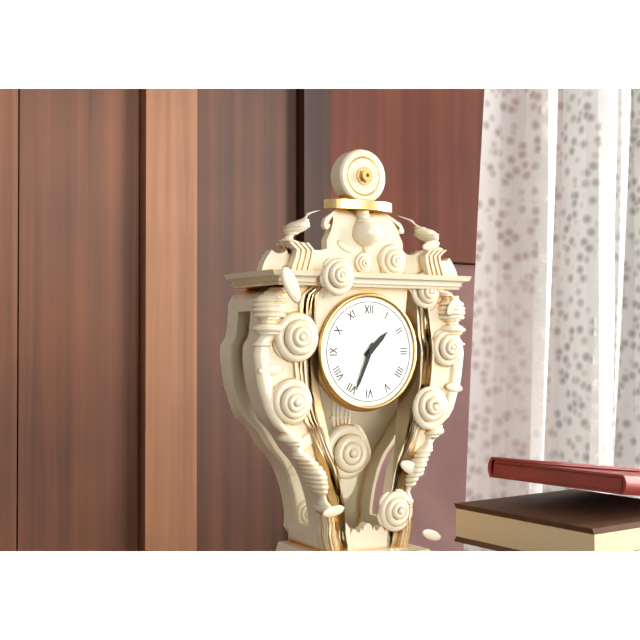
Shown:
h=1 m=34
